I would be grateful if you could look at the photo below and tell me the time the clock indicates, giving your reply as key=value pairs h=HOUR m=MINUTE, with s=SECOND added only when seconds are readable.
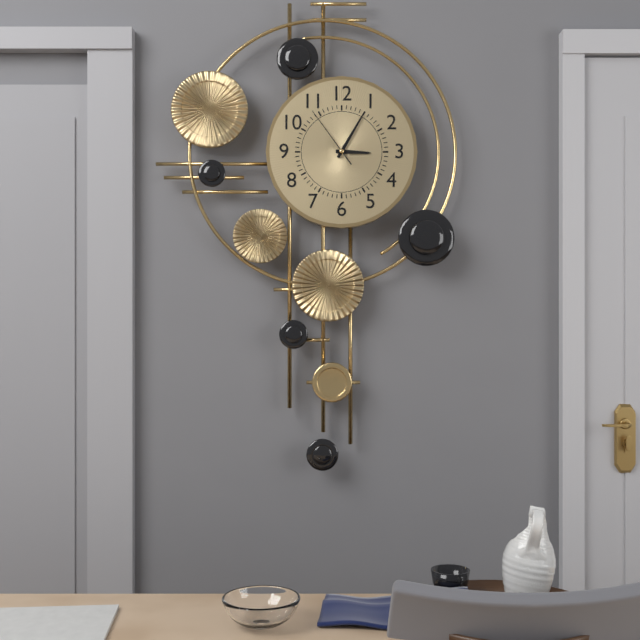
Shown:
h=3 m=5 s=54
